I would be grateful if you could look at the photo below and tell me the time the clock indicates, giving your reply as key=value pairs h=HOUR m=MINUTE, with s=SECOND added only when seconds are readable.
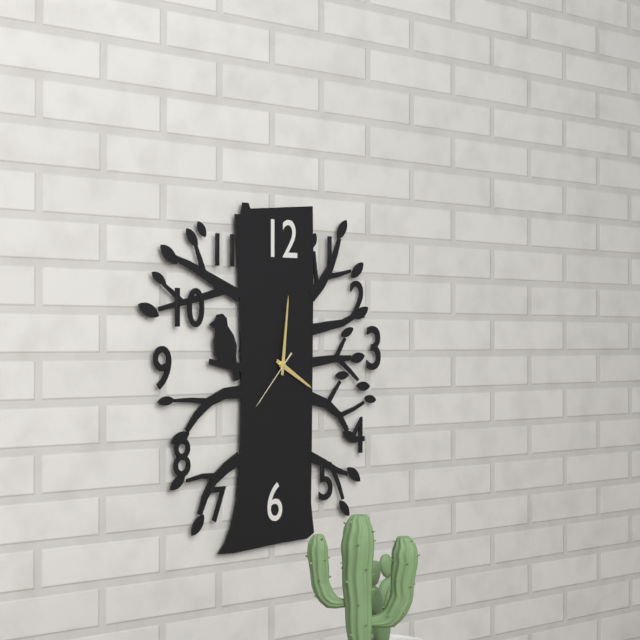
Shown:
h=4 m=1 s=37
